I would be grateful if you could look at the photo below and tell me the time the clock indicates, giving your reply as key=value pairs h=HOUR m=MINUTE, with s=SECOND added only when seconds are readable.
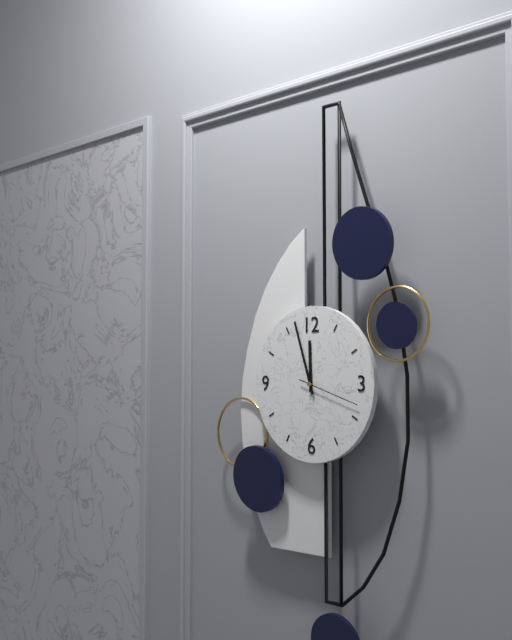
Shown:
h=11 m=57
